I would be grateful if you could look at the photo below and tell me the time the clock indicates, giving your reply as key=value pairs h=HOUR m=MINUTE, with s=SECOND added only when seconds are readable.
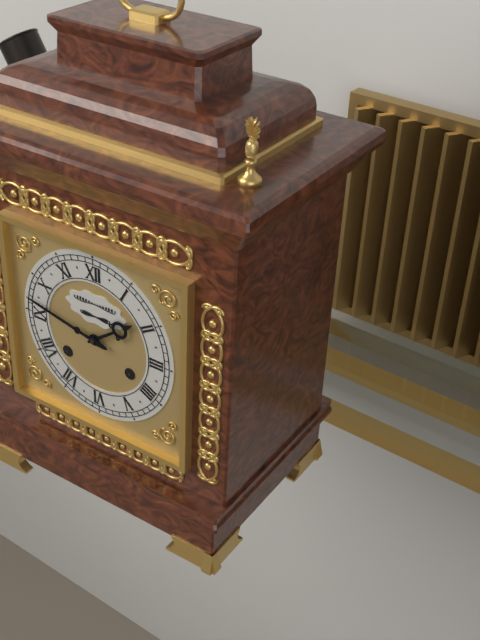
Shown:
h=1 m=47
